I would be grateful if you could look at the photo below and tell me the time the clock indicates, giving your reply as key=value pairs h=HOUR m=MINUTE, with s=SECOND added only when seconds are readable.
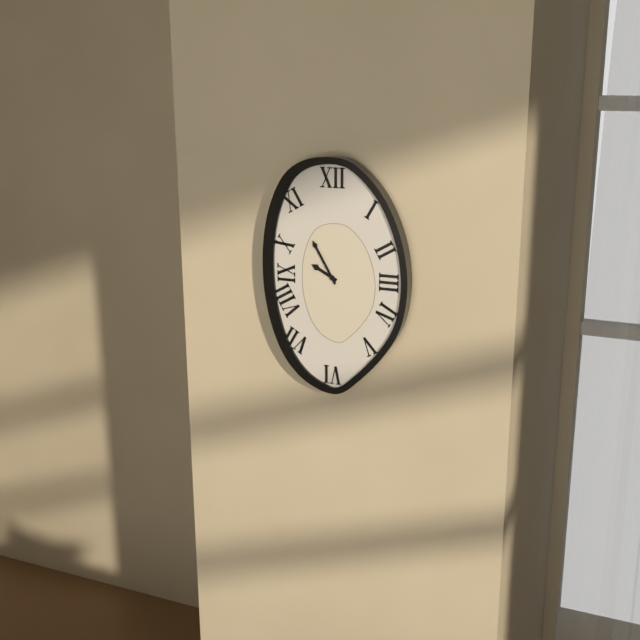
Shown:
h=9 m=55
